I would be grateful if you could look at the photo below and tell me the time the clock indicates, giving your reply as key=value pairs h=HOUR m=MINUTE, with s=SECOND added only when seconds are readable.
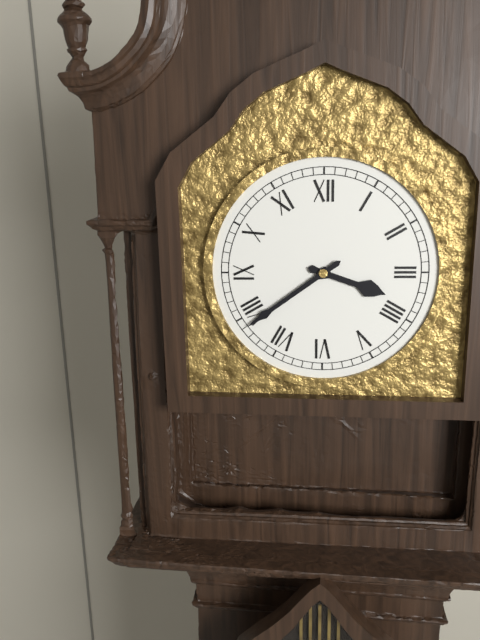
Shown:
h=3 m=39
